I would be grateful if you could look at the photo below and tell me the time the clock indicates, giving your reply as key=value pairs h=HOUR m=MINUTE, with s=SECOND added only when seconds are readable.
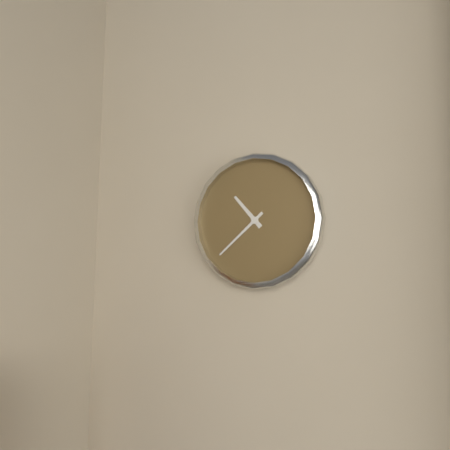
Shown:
h=10 m=38
